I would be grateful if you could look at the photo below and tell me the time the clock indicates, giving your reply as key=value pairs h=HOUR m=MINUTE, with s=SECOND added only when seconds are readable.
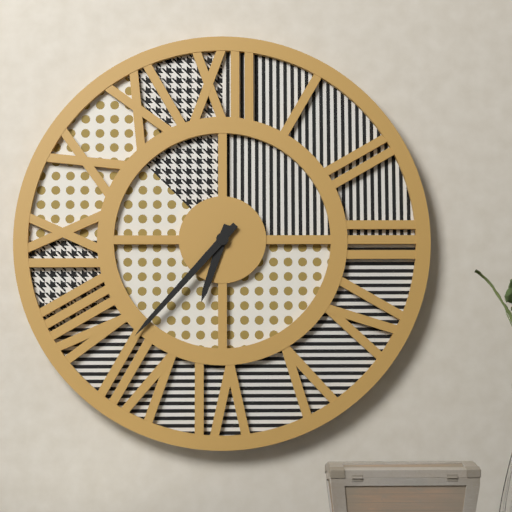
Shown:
h=6 m=37
